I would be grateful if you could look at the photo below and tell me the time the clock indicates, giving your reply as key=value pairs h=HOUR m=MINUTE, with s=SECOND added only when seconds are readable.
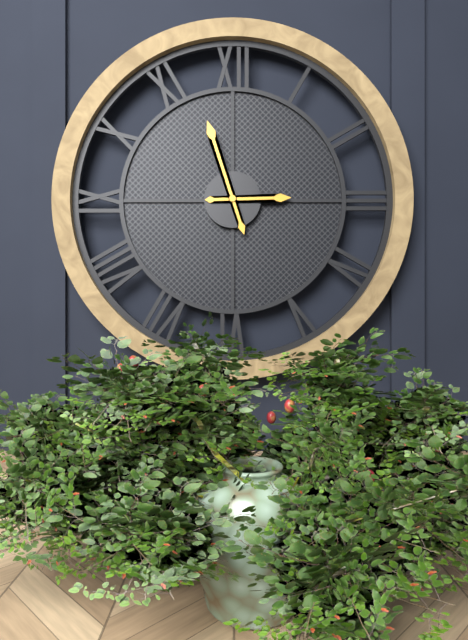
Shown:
h=2 m=57
